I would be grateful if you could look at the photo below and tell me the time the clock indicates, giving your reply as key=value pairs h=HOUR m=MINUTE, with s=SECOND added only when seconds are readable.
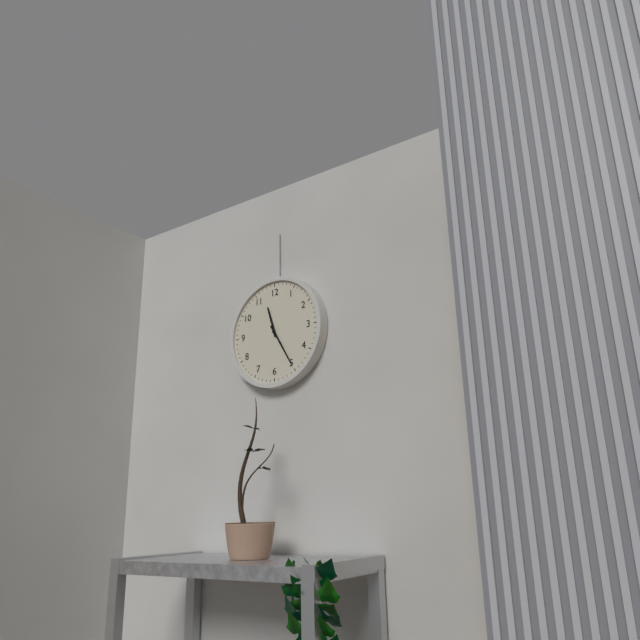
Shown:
h=11 m=25
